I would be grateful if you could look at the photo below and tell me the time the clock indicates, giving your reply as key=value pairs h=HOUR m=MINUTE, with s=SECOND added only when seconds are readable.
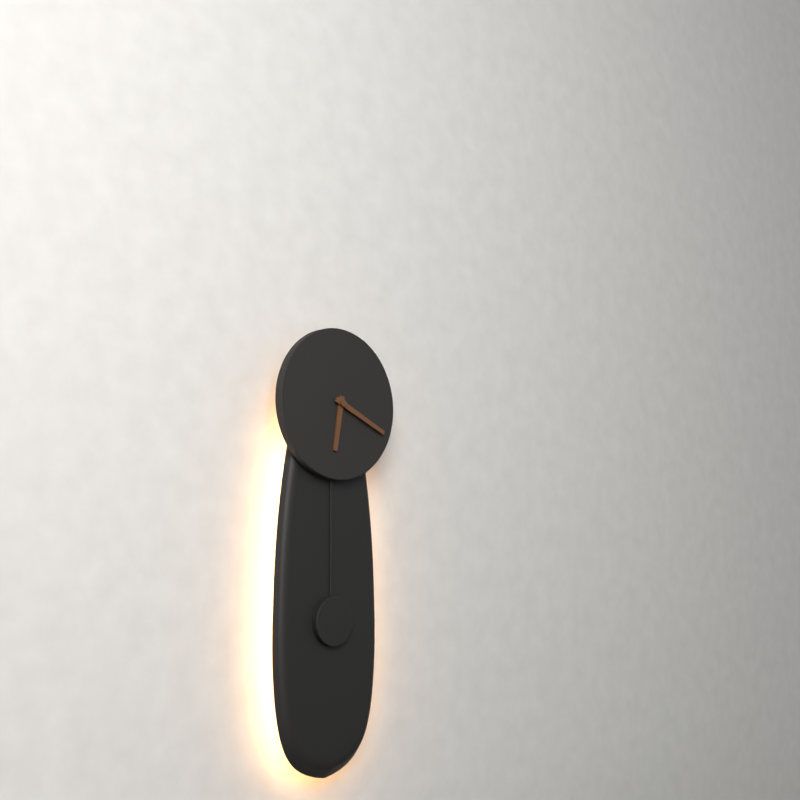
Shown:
h=6 m=19
